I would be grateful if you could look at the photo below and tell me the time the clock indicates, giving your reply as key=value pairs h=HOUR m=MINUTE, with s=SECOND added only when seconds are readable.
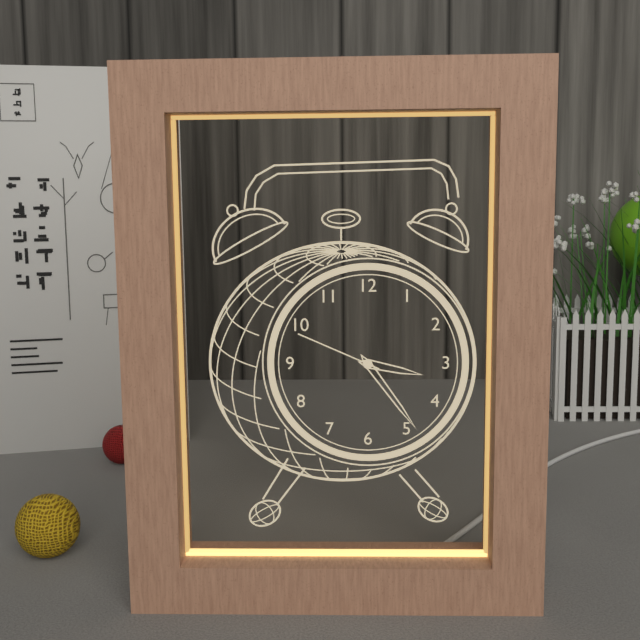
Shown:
h=3 m=24 s=49
